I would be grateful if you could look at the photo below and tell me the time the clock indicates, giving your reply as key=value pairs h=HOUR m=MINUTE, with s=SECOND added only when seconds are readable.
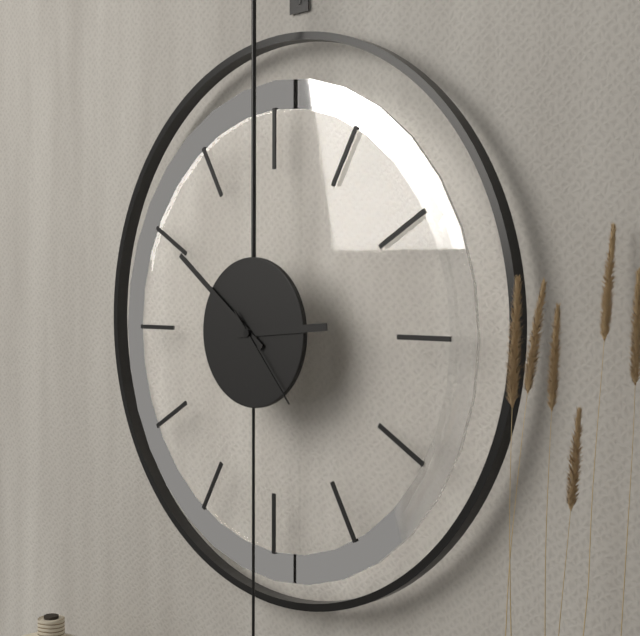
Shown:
h=2 m=51 s=23
